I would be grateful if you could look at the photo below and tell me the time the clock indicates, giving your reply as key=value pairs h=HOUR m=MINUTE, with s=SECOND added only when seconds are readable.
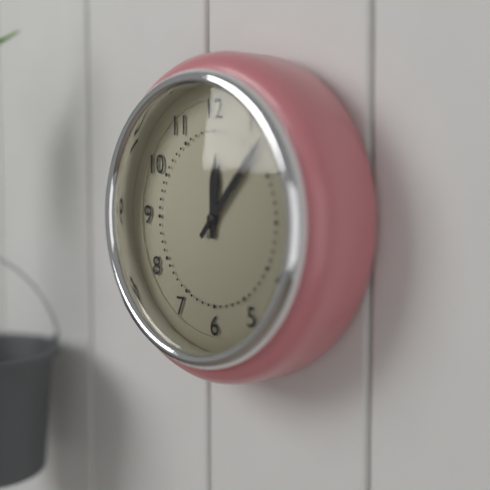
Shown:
h=12 m=7
